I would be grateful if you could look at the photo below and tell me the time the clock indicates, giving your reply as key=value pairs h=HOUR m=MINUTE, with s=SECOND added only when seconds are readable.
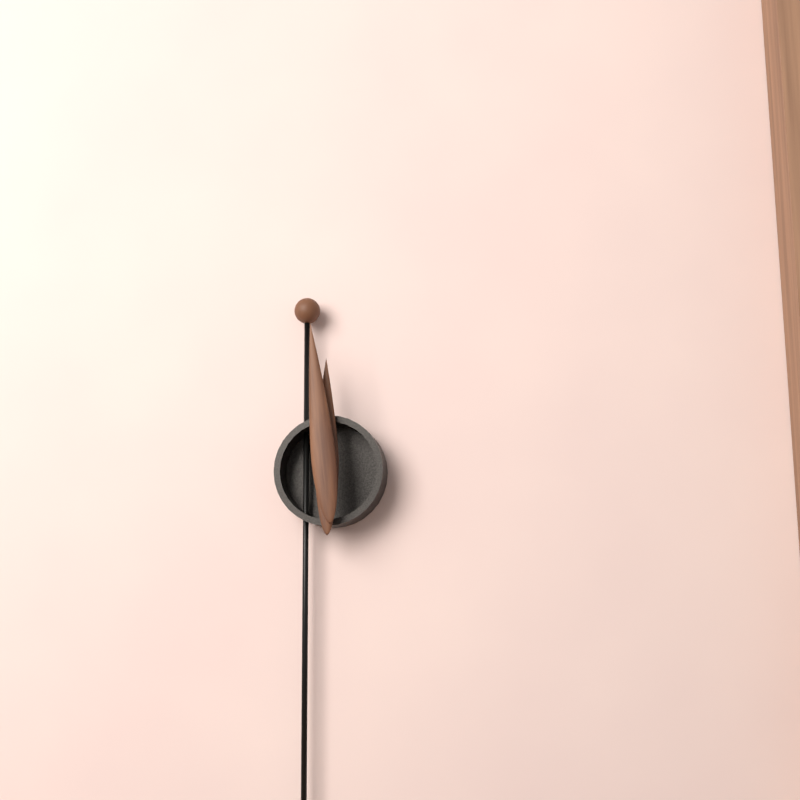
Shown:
h=11 m=59
